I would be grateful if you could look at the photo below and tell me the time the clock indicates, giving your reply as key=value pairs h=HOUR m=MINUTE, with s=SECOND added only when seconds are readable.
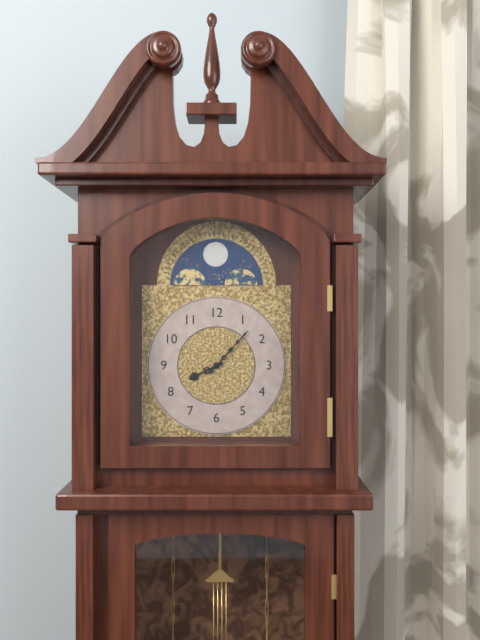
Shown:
h=8 m=7
